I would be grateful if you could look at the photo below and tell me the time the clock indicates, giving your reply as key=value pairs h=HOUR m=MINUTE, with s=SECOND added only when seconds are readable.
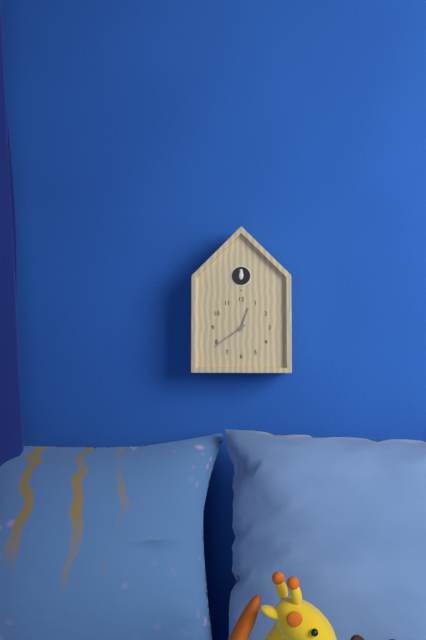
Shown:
h=12 m=39
